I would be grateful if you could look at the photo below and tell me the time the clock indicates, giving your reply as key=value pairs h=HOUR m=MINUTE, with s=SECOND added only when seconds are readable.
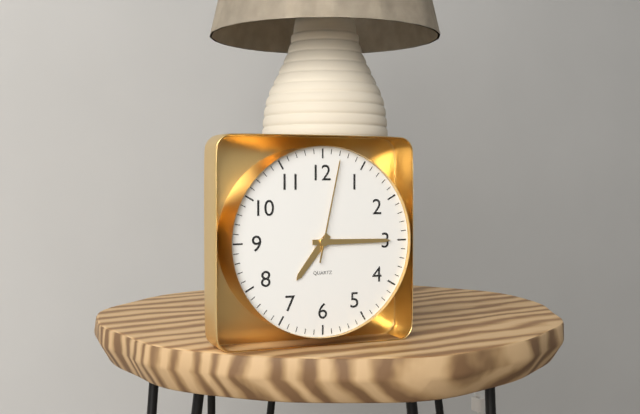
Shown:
h=7 m=15 s=2
